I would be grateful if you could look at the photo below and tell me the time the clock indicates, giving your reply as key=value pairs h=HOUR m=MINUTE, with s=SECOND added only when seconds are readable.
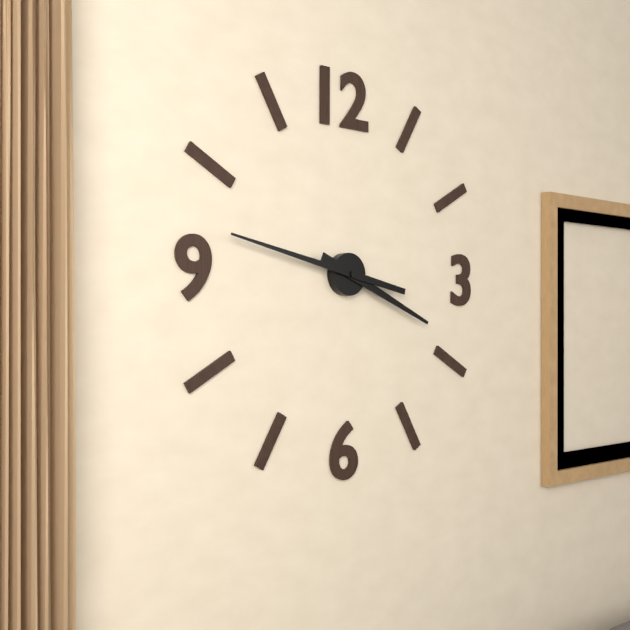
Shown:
h=3 m=47
